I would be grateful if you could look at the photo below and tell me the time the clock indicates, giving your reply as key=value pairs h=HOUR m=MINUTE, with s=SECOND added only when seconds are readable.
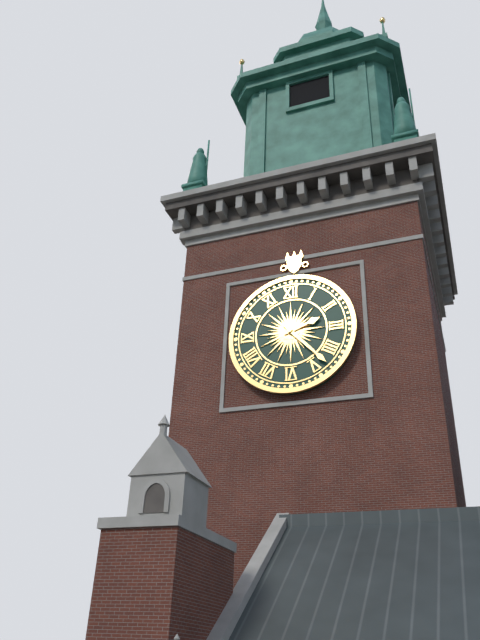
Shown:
h=2 m=23
